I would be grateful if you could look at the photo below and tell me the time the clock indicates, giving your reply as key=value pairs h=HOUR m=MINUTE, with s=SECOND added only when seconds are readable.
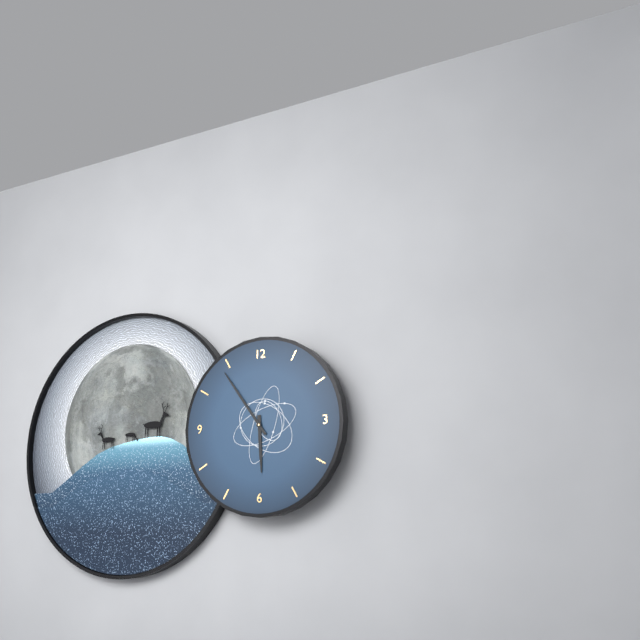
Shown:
h=5 m=54
